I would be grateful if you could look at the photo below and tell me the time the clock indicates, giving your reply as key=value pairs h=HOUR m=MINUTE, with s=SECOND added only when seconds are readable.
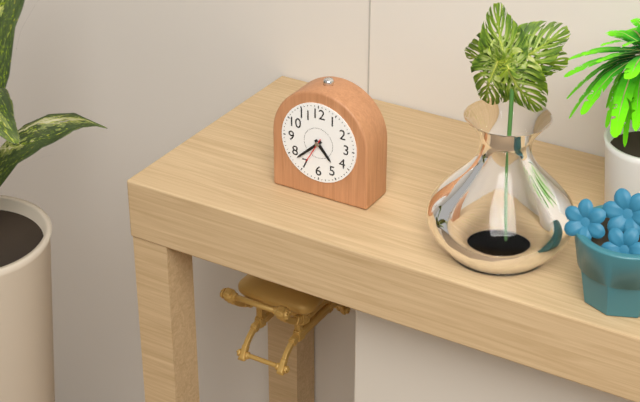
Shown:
h=4 m=38
